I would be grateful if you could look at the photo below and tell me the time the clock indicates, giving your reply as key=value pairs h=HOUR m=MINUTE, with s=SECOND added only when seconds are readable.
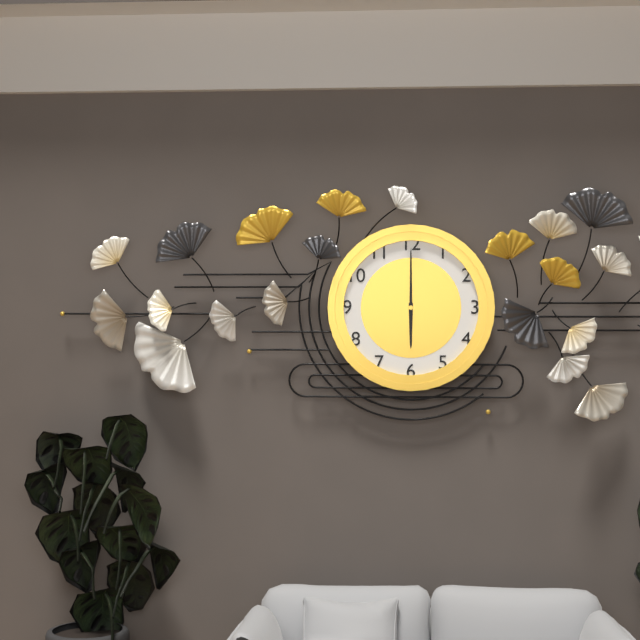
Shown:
h=6 m=0
